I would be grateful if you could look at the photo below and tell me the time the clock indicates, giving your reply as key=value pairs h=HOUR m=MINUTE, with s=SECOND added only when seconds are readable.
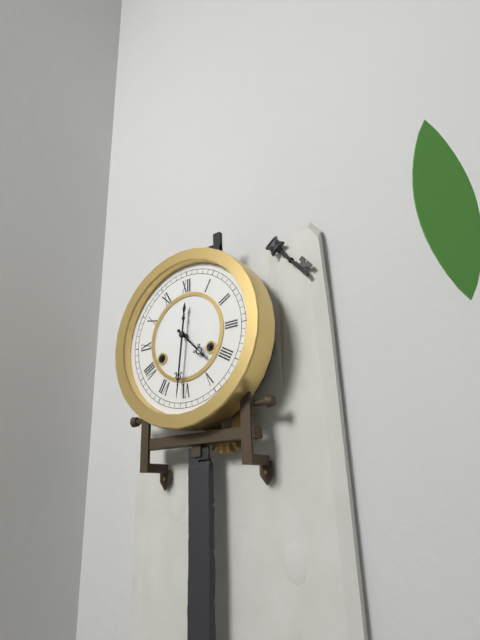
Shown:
h=4 m=31
